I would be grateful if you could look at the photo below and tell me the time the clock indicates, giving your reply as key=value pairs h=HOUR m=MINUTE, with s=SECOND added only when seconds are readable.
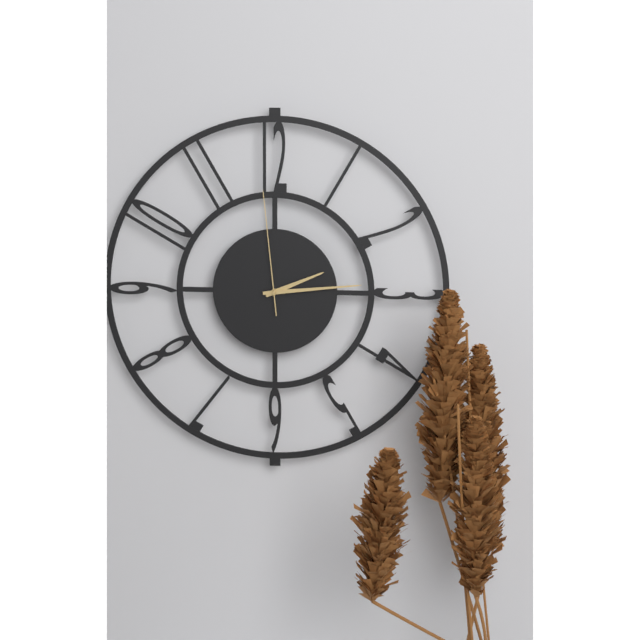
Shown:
h=2 m=14 s=59
